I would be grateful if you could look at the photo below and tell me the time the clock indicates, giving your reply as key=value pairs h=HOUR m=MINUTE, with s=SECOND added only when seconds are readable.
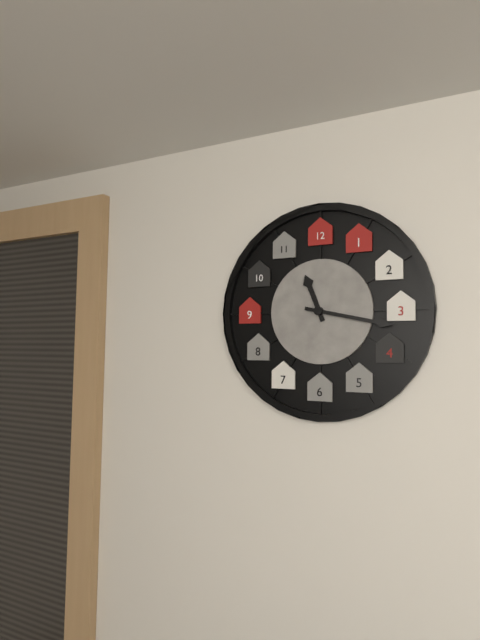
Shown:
h=11 m=17
